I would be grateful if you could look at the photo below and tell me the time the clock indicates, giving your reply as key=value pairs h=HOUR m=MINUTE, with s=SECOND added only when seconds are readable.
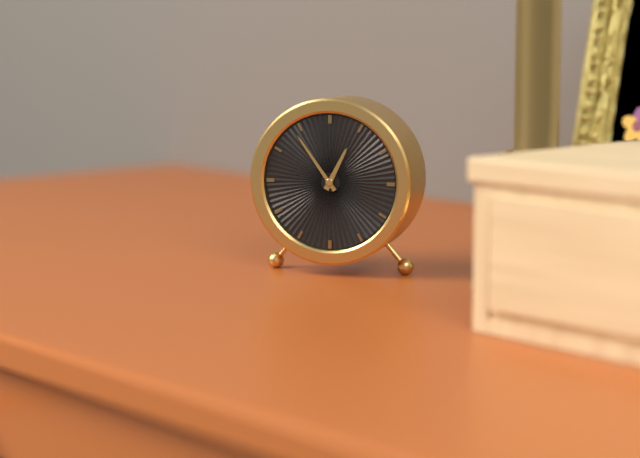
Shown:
h=12 m=54
